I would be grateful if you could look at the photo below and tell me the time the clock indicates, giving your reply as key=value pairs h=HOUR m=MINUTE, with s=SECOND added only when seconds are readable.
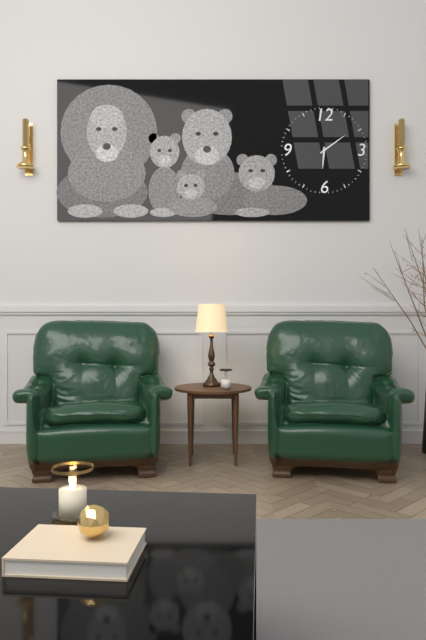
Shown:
h=6 m=9
